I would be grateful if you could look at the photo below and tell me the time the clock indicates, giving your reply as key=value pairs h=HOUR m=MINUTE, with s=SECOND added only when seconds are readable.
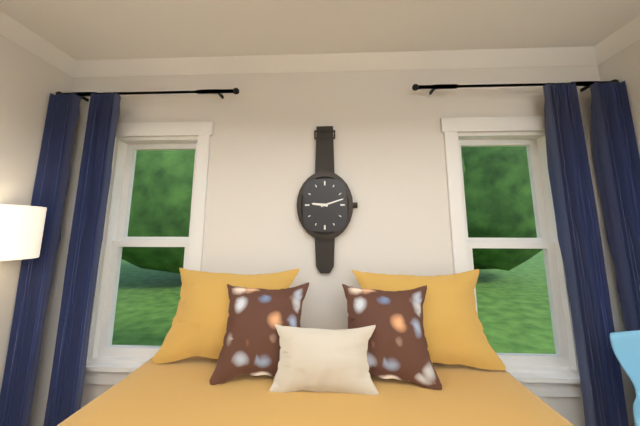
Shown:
h=9 m=12
